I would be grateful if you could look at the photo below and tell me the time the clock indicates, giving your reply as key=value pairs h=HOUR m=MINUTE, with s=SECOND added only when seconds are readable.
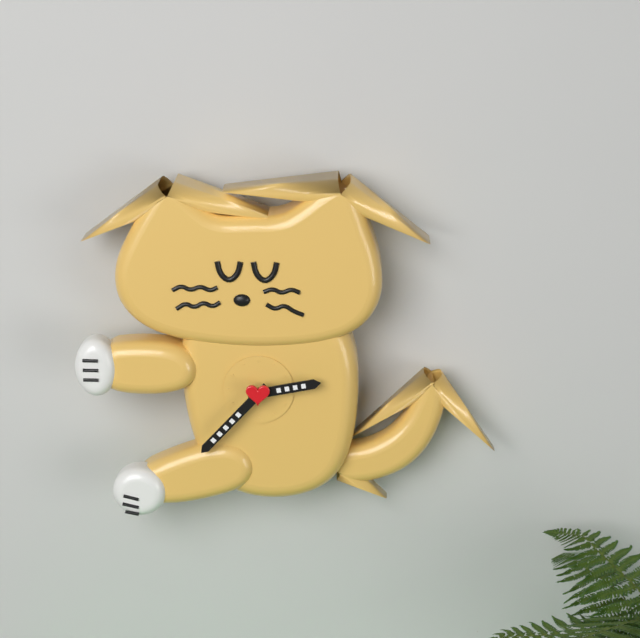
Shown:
h=2 m=37
